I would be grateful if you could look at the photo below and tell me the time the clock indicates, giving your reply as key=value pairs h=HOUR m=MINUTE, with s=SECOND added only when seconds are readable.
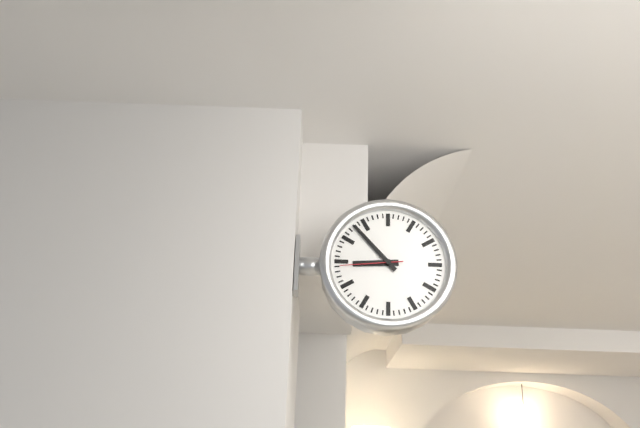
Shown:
h=8 m=53 s=44
